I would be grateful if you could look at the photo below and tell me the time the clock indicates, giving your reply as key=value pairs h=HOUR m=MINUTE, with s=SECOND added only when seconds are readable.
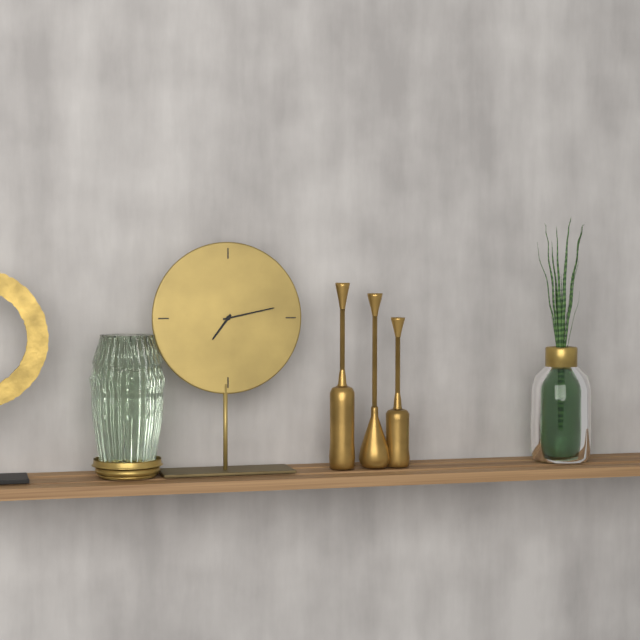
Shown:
h=7 m=13
